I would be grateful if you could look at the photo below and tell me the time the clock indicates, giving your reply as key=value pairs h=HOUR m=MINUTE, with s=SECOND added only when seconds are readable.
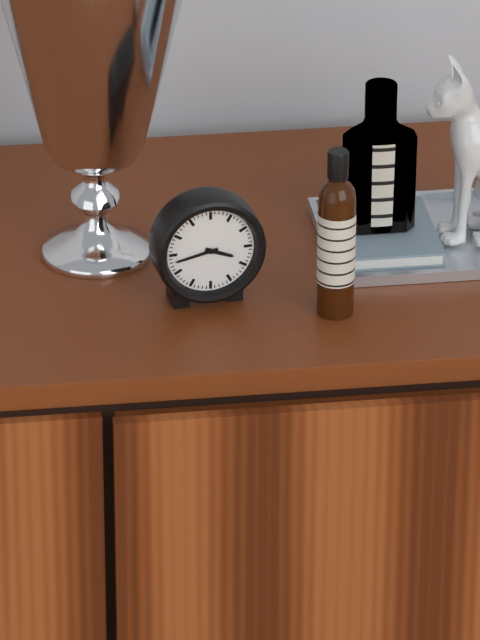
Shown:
h=3 m=43
